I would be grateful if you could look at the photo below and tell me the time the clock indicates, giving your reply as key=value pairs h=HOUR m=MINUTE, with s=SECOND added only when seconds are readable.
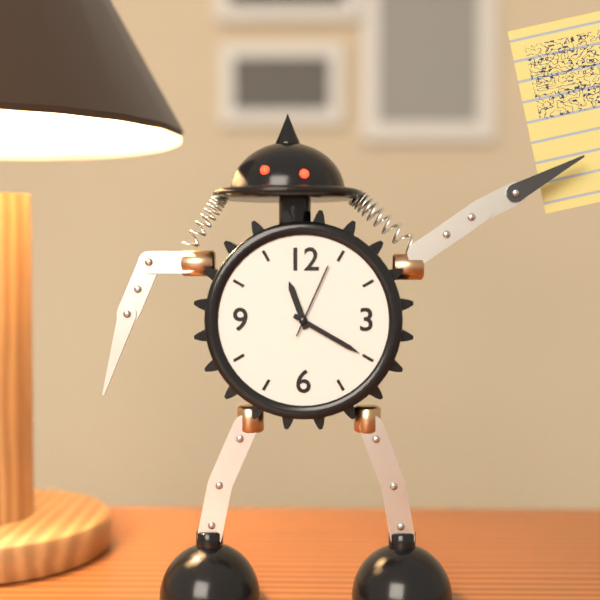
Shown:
h=11 m=20 s=4
